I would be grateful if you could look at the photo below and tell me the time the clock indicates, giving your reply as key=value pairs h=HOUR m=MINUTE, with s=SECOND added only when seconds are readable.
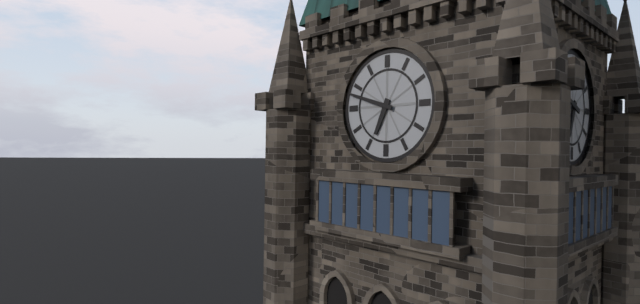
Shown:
h=6 m=48
